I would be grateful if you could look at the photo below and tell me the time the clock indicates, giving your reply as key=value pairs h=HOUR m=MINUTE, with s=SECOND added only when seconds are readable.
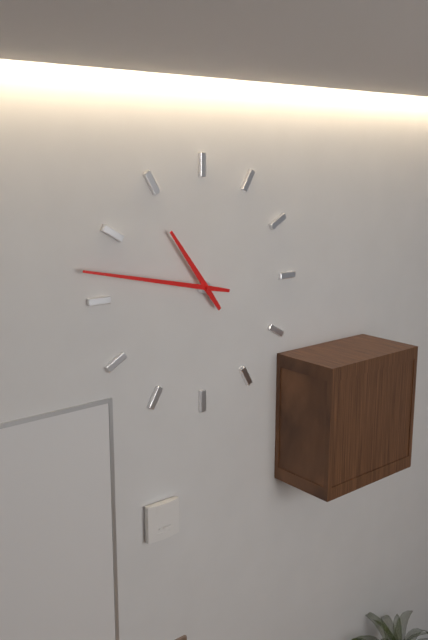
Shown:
h=10 m=47
